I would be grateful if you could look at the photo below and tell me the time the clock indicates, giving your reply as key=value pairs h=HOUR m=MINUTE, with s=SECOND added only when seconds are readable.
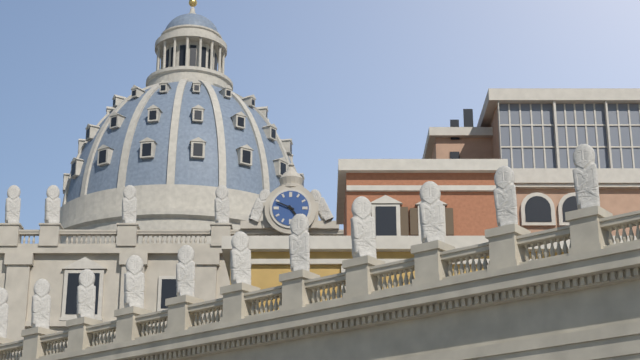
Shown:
h=4 m=49
